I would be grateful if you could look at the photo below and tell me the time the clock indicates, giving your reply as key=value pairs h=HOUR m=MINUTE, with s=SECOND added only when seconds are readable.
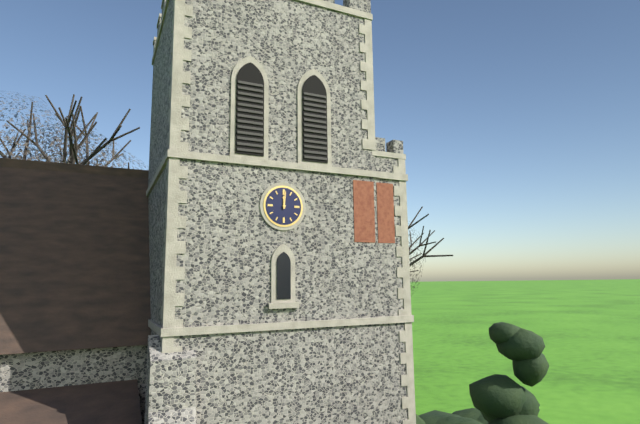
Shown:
h=12 m=1
